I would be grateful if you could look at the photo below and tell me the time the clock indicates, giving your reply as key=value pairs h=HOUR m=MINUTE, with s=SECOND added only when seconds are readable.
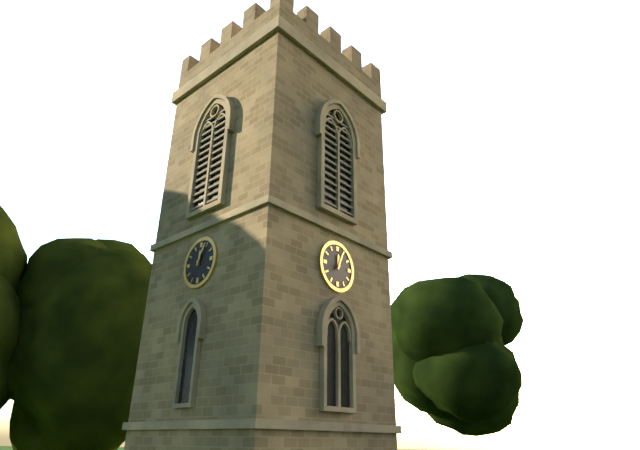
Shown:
h=12 m=4
